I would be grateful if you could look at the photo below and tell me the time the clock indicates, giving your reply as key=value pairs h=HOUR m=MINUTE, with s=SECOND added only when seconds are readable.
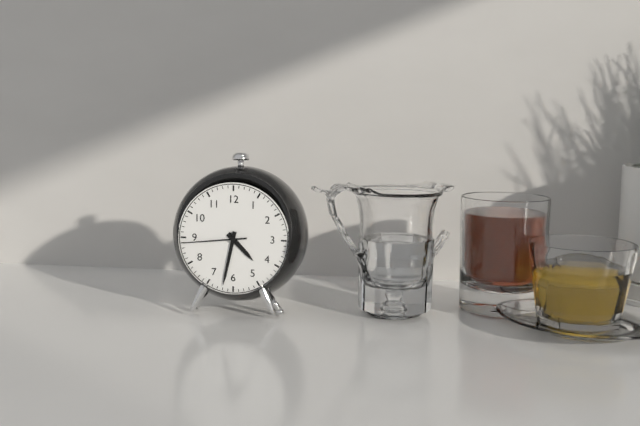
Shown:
h=4 m=32 s=44
